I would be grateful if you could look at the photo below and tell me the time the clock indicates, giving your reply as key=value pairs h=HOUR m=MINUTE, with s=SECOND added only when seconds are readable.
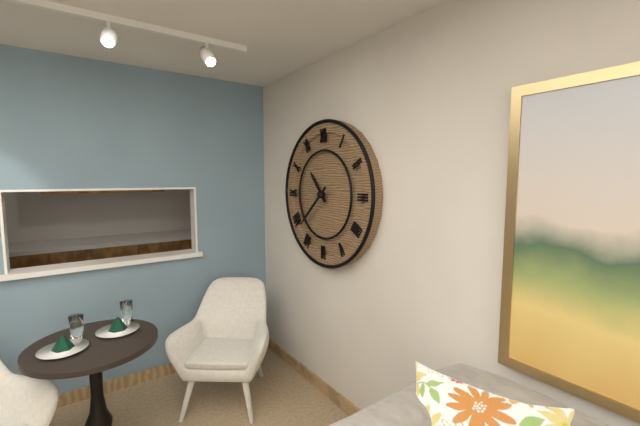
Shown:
h=10 m=38
